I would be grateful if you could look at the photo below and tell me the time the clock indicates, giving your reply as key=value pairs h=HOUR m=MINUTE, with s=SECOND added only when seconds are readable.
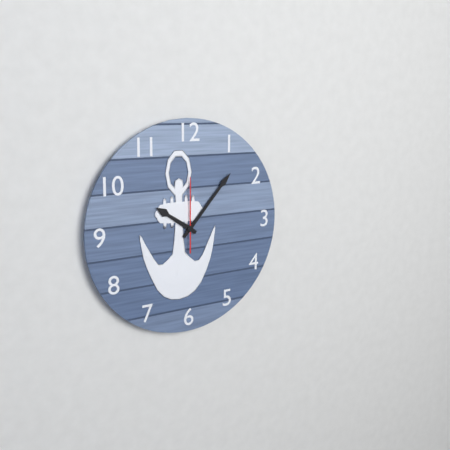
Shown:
h=10 m=7 s=0
